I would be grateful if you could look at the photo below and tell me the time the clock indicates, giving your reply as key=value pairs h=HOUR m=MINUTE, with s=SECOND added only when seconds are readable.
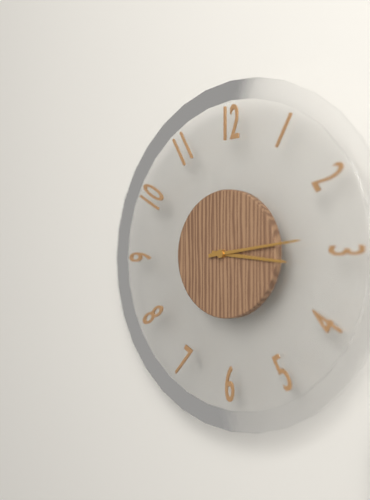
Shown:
h=3 m=14
